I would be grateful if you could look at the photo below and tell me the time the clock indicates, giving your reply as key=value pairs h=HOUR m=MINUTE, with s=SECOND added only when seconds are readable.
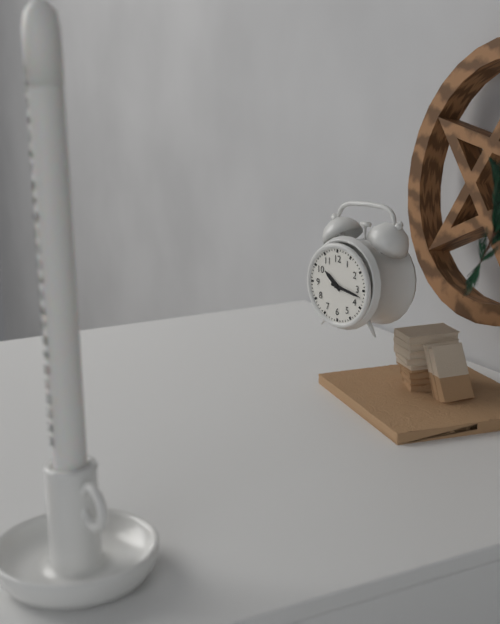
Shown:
h=10 m=17
